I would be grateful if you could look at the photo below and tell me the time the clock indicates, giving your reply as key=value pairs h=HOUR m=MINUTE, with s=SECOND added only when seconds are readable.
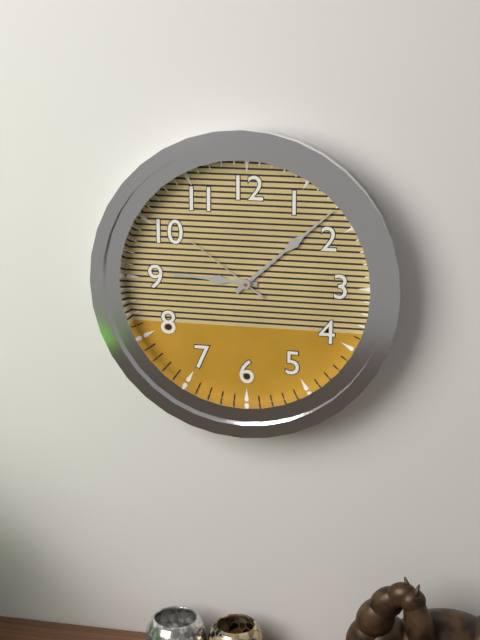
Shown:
h=9 m=8 s=51
